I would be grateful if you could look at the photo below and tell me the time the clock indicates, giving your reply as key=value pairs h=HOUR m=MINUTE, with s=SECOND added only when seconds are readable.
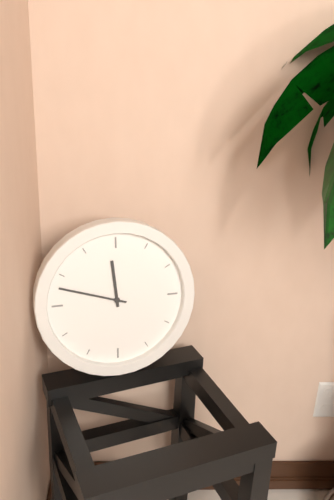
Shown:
h=11 m=48
